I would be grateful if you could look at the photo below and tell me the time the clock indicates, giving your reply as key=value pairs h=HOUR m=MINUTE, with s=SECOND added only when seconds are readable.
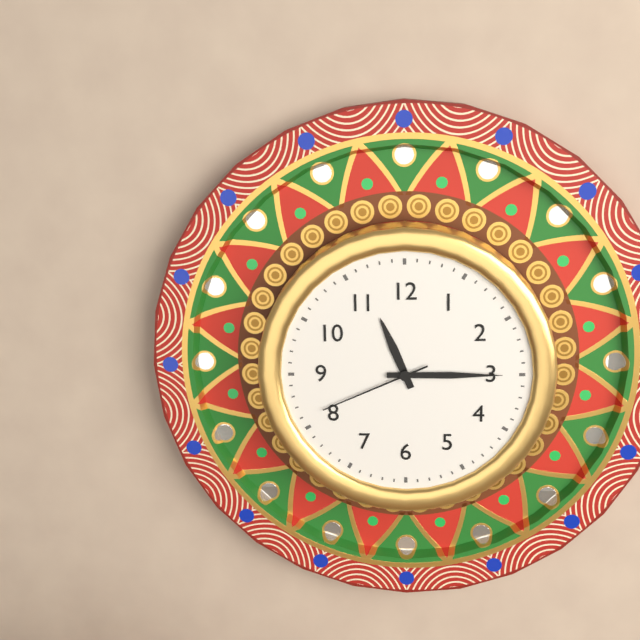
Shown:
h=11 m=15 s=41
